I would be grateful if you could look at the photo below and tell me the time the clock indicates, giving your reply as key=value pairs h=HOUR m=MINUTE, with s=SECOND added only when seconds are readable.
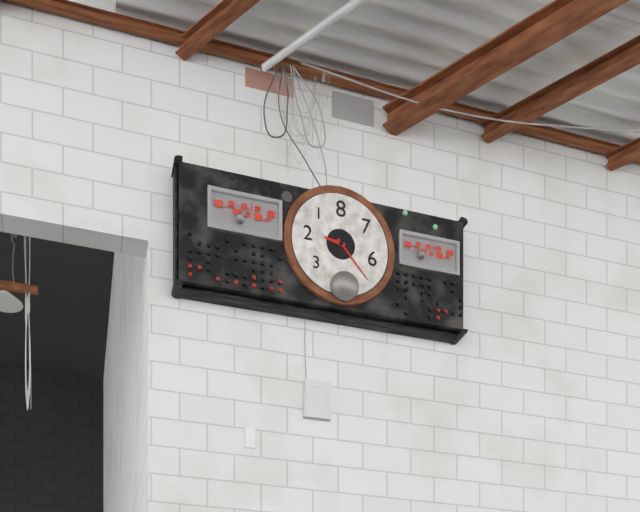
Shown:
h=9 m=23
